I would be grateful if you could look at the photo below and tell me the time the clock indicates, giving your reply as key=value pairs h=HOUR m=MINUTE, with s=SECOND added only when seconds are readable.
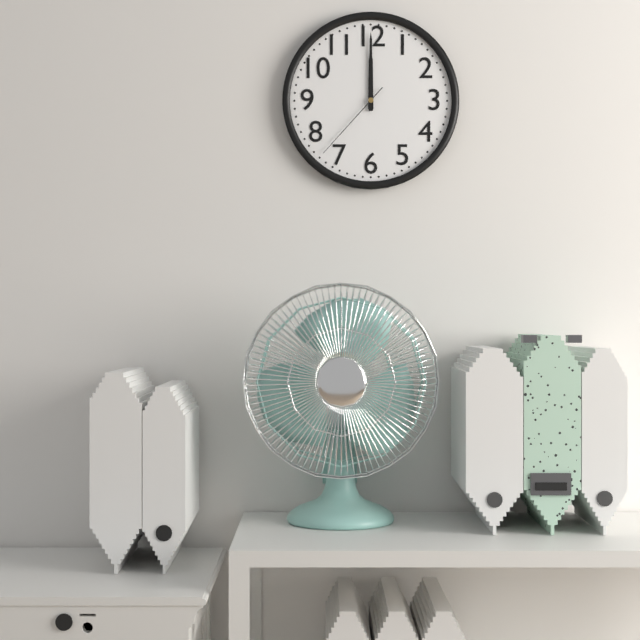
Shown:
h=12 m=0 s=37
